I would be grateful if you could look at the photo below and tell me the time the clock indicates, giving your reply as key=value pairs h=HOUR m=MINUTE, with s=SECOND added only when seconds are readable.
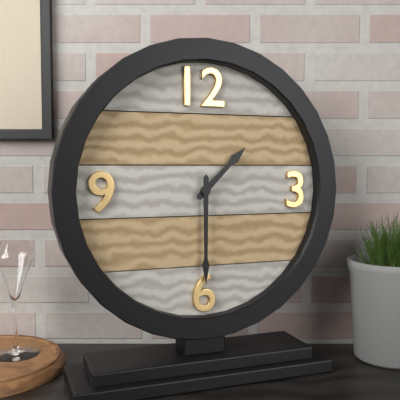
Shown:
h=1 m=30
